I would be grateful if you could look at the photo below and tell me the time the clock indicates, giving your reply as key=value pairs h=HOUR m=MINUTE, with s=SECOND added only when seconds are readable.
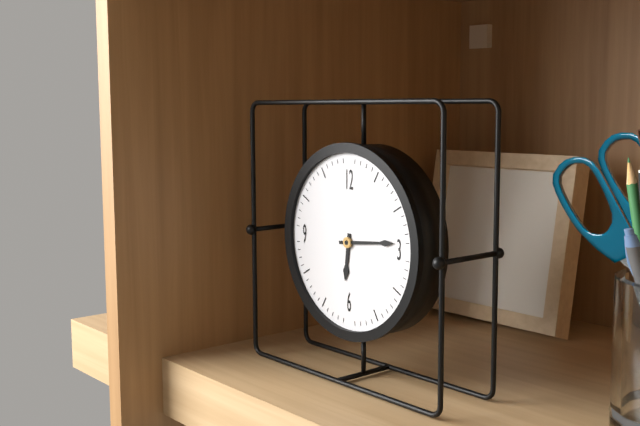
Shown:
h=6 m=14
